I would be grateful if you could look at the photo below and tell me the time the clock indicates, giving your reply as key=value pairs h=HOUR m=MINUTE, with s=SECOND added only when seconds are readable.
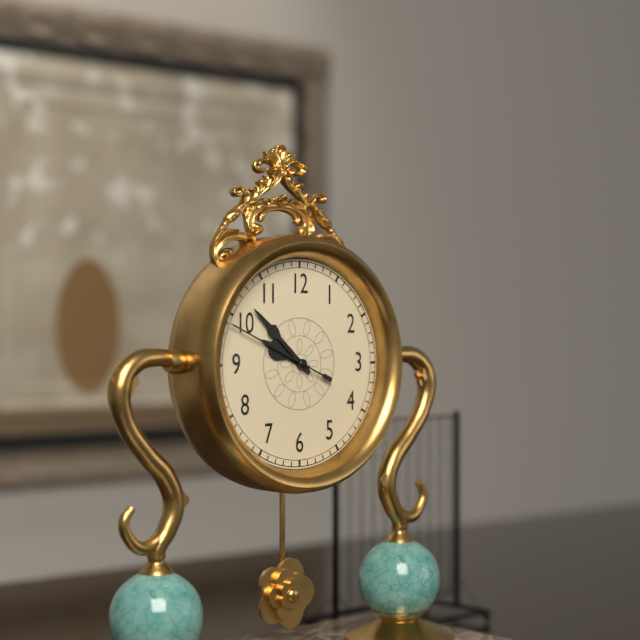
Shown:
h=9 m=52 s=49
